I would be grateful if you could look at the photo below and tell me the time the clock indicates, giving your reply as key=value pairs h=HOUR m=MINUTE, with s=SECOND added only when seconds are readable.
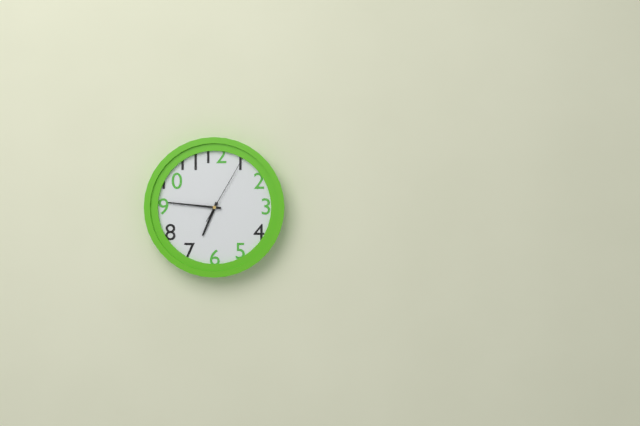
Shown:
h=6 m=46 s=5
